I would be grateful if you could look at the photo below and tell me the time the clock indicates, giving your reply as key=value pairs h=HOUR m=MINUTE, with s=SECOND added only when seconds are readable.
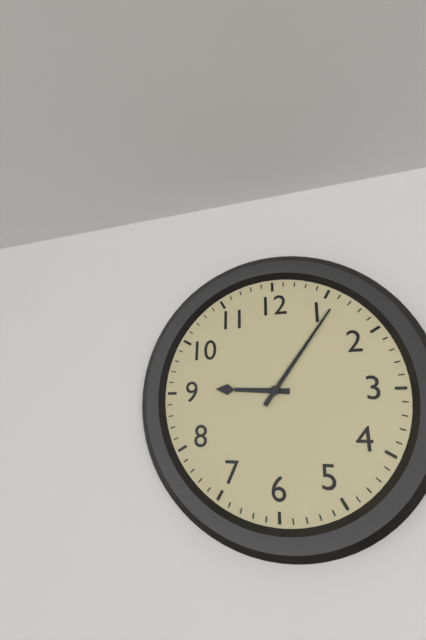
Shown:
h=9 m=6
